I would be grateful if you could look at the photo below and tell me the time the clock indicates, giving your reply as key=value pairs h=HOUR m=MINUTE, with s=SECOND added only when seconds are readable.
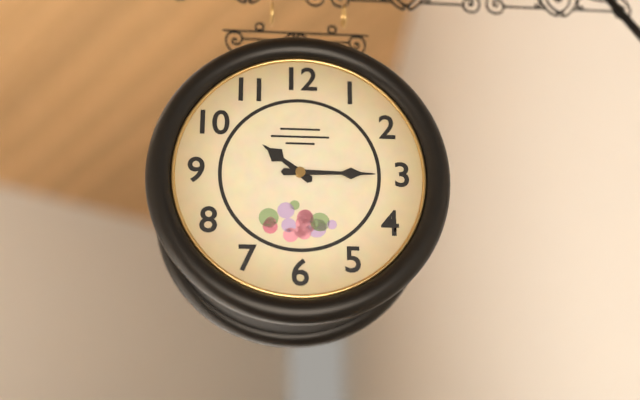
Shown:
h=10 m=15
